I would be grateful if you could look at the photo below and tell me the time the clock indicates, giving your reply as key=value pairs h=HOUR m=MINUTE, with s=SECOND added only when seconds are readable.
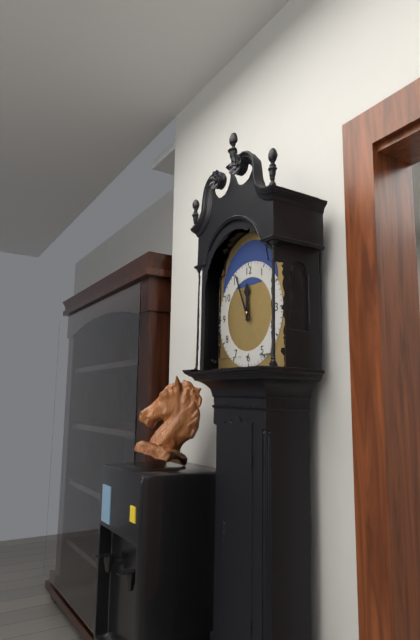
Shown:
h=11 m=56
